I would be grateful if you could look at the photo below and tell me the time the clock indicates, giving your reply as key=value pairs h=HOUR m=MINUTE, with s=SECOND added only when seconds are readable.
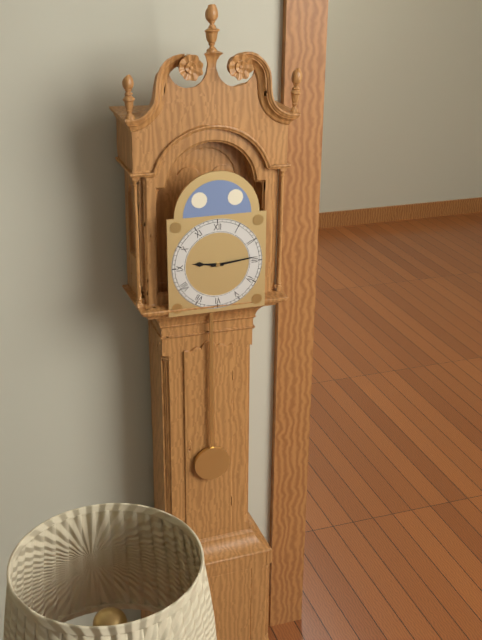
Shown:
h=9 m=14
